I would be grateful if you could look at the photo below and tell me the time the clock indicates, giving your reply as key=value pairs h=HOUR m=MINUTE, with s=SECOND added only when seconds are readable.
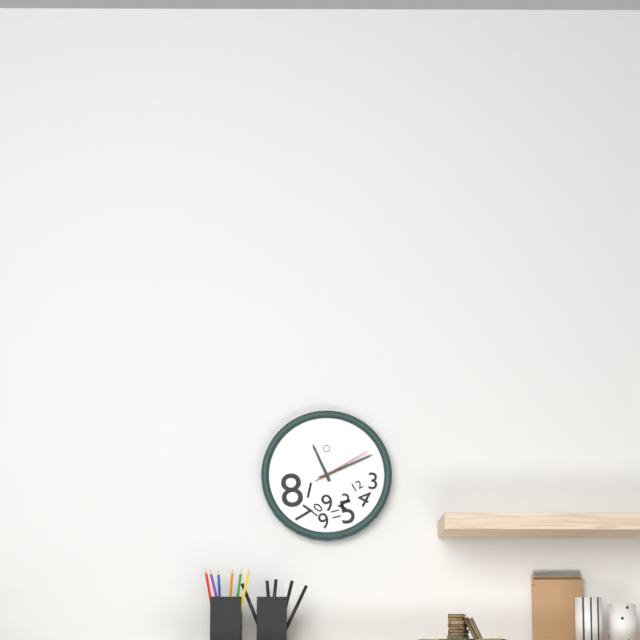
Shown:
h=11 m=11 s=10
